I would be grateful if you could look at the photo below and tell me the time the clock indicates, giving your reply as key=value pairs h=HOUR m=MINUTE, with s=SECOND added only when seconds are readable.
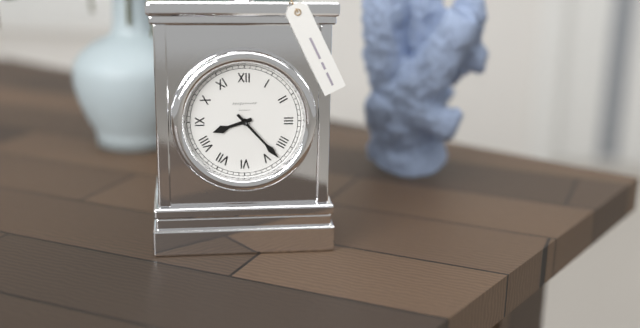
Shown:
h=8 m=23
